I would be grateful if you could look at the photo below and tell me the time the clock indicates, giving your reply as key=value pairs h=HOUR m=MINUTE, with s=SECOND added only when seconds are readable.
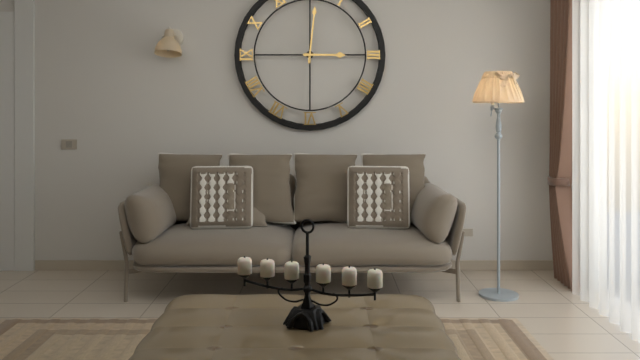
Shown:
h=3 m=1
